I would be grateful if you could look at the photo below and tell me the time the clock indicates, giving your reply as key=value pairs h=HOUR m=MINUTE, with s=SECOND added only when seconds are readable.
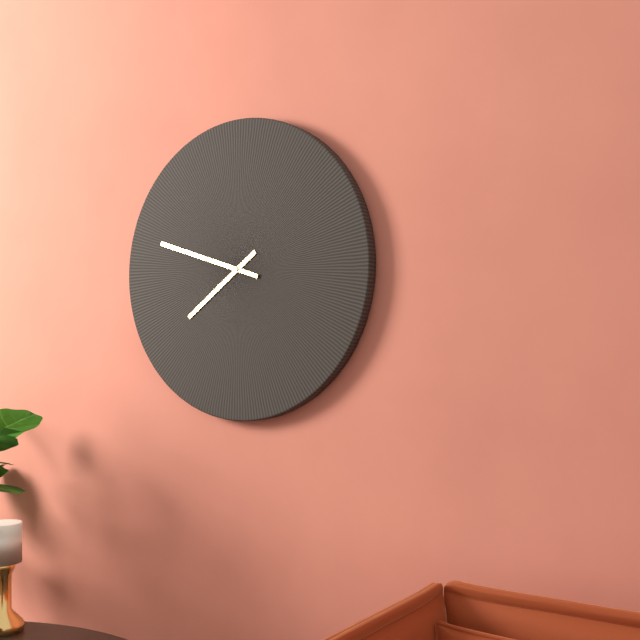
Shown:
h=7 m=48
